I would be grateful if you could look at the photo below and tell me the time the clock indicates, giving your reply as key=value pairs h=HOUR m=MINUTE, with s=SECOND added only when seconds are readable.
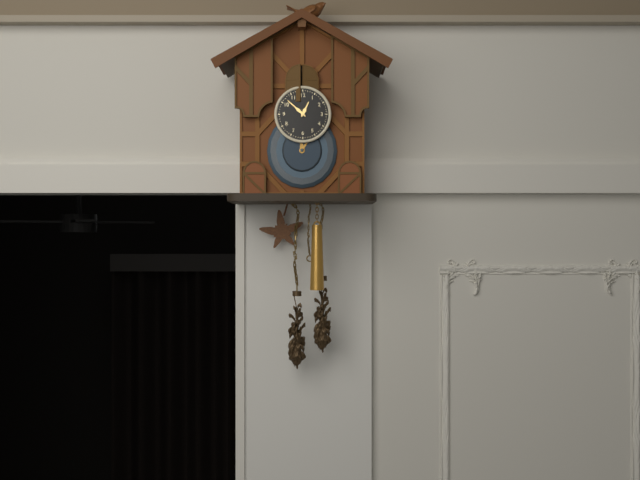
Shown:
h=12 m=52
